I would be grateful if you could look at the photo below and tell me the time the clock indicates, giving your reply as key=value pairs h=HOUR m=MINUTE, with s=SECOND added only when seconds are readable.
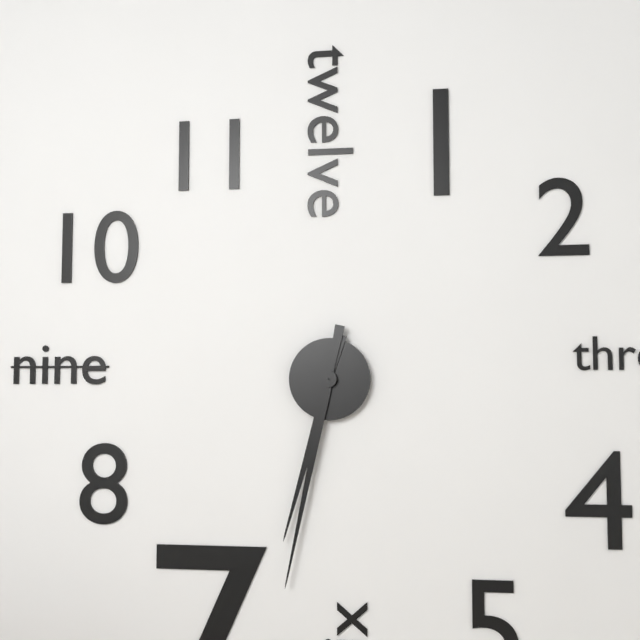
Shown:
h=6 m=32
